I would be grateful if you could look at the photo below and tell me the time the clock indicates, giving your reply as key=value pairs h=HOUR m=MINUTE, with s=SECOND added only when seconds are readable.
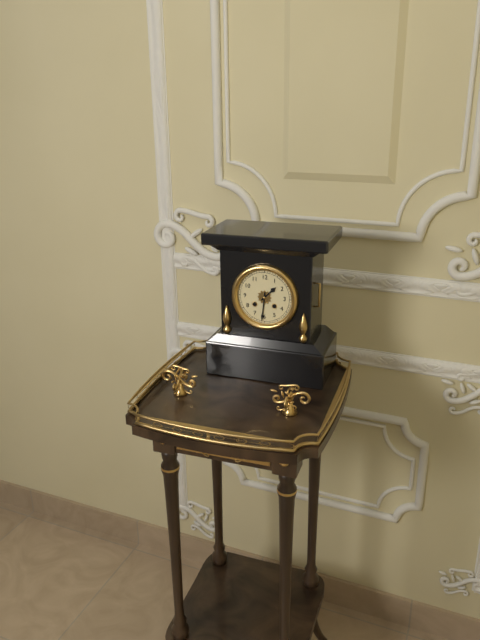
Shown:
h=1 m=31
